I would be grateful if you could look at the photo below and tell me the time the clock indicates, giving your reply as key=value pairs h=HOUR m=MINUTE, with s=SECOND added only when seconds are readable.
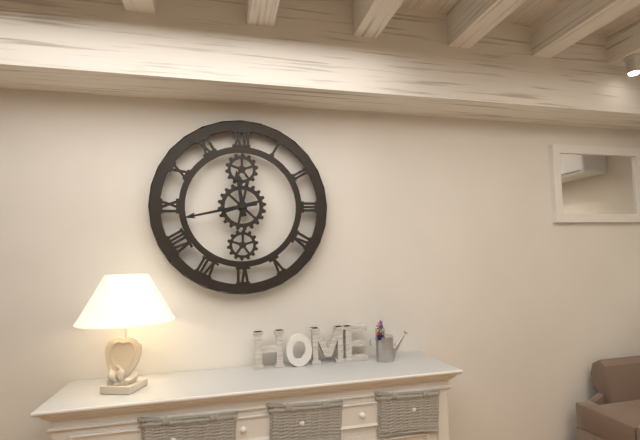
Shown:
h=11 m=43
